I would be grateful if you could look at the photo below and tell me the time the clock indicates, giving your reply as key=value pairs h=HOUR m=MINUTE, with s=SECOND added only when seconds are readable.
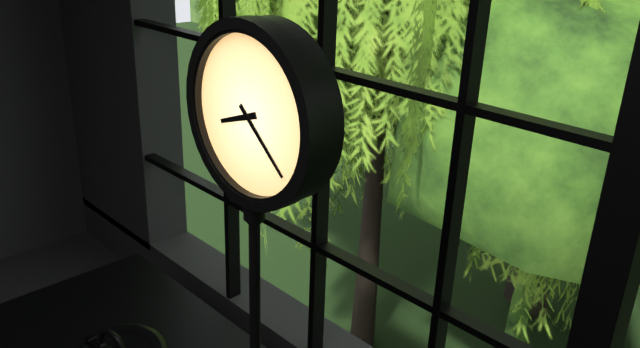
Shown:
h=8 m=22
